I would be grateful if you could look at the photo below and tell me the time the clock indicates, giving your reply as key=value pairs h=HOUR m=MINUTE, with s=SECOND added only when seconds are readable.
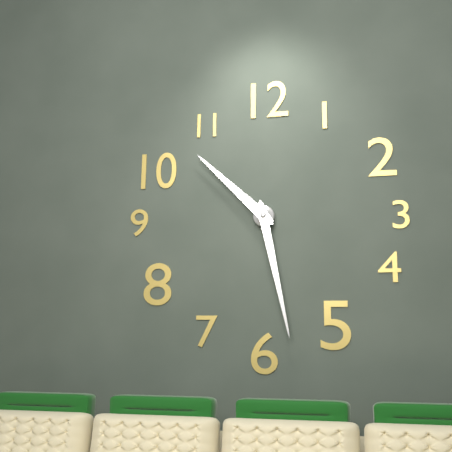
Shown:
h=10 m=28
